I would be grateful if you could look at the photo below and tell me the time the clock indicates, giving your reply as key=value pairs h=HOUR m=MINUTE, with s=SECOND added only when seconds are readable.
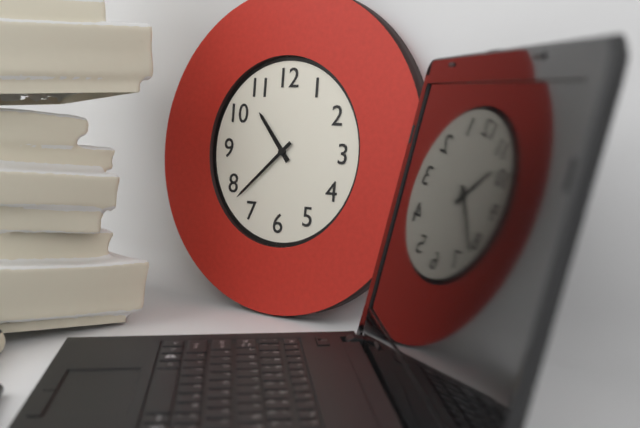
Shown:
h=10 m=38
